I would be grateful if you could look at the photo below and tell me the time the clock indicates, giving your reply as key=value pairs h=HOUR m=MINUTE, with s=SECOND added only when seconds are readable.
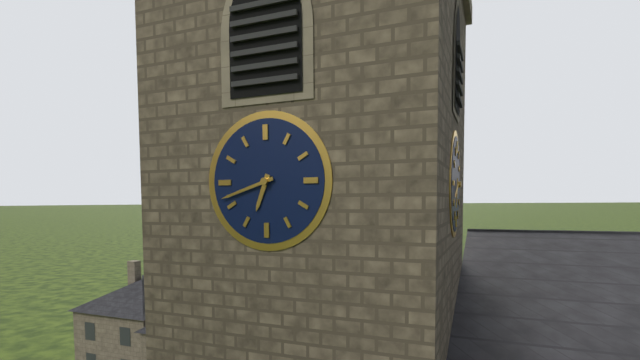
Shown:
h=6 m=42
